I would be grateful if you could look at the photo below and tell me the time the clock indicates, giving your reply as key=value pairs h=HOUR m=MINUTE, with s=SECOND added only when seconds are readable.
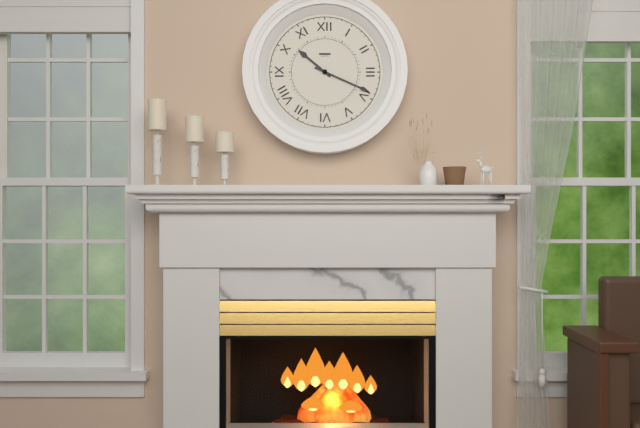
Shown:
h=10 m=19
